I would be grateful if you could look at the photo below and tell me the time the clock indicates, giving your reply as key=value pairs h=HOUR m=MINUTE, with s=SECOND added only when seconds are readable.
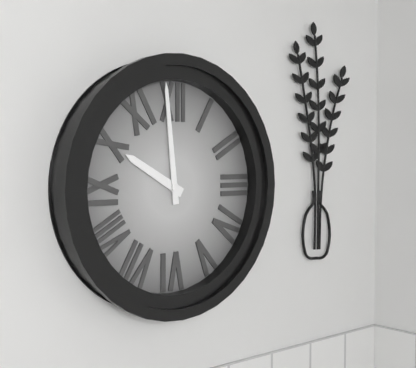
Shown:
h=9 m=59
